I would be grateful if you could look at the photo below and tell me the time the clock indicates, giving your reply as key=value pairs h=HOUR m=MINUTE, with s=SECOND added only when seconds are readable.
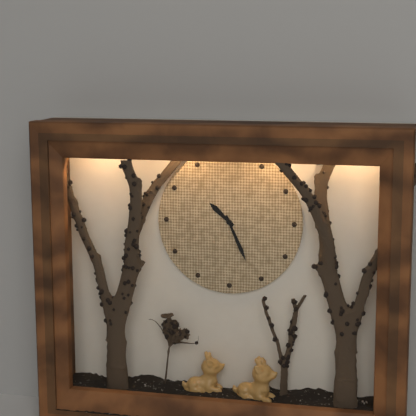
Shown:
h=10 m=26
